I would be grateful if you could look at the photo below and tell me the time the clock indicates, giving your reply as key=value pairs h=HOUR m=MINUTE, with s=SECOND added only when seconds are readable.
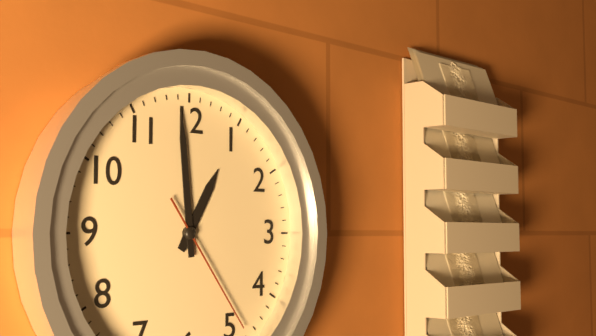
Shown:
h=12 m=59 s=24
